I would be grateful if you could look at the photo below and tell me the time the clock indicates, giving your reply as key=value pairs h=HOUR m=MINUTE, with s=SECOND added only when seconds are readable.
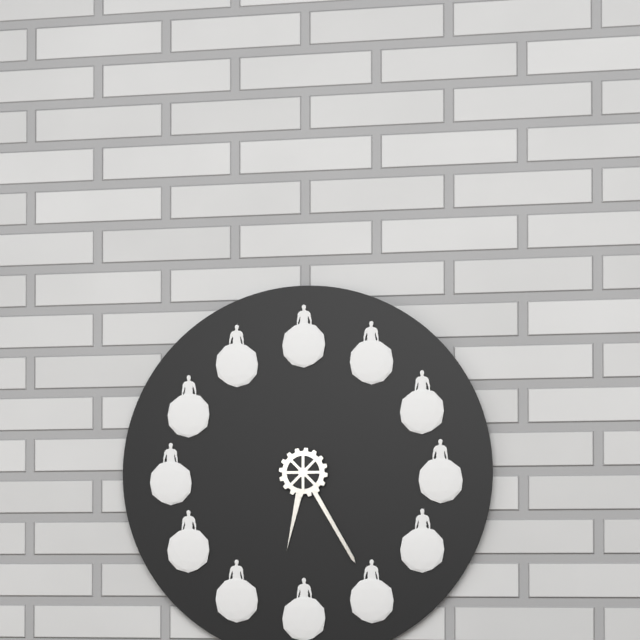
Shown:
h=6 m=25
